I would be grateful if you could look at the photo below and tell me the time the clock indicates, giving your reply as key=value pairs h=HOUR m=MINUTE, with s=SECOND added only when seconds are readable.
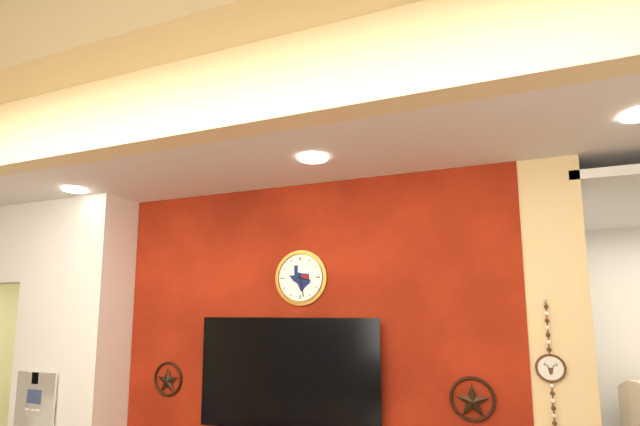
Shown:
h=3 m=28
